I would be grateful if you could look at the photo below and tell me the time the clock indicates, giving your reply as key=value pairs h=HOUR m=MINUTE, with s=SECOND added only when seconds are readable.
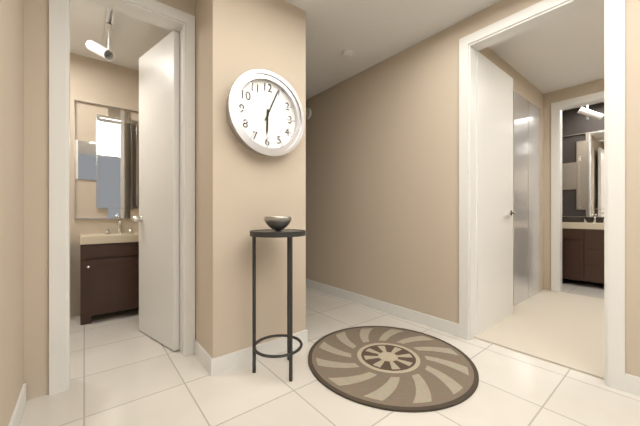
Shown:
h=6 m=4
